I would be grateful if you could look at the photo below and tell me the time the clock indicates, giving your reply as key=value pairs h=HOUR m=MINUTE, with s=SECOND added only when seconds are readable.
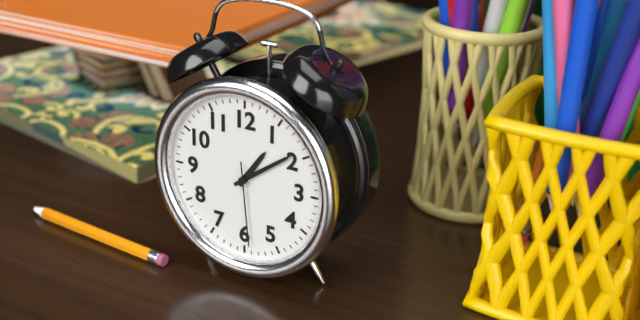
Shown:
h=1 m=9 s=29
